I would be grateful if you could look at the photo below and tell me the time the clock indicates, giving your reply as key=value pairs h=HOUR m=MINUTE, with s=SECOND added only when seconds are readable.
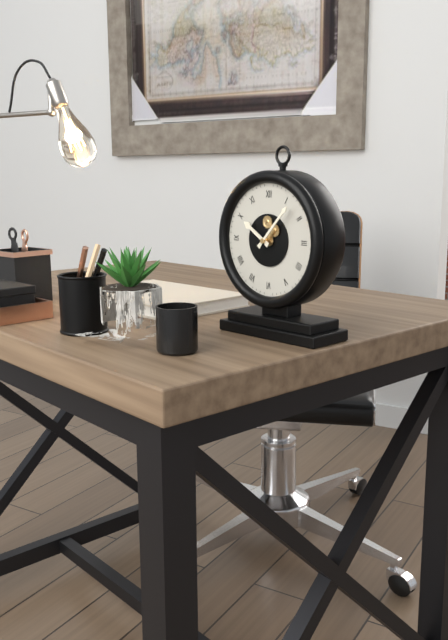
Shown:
h=10 m=7
